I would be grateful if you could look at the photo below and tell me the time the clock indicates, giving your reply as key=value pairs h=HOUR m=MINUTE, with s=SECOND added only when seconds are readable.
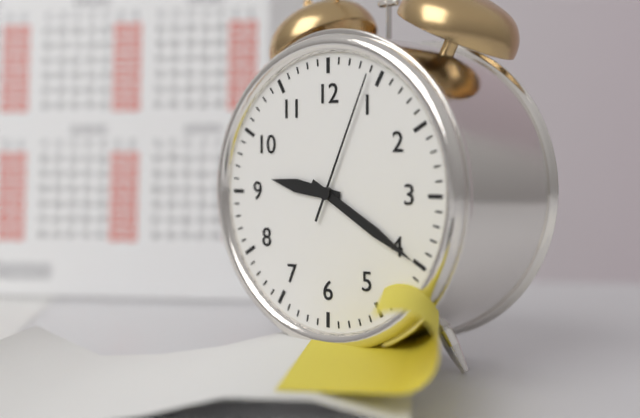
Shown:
h=9 m=20 s=4
